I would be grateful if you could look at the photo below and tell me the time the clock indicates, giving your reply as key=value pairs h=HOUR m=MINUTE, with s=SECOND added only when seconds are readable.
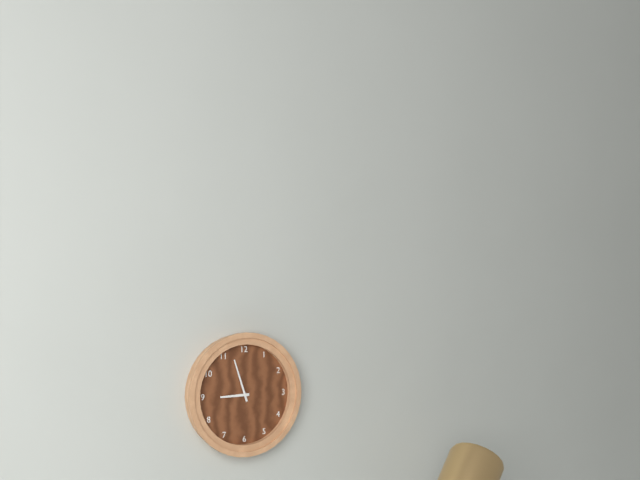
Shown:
h=8 m=57
